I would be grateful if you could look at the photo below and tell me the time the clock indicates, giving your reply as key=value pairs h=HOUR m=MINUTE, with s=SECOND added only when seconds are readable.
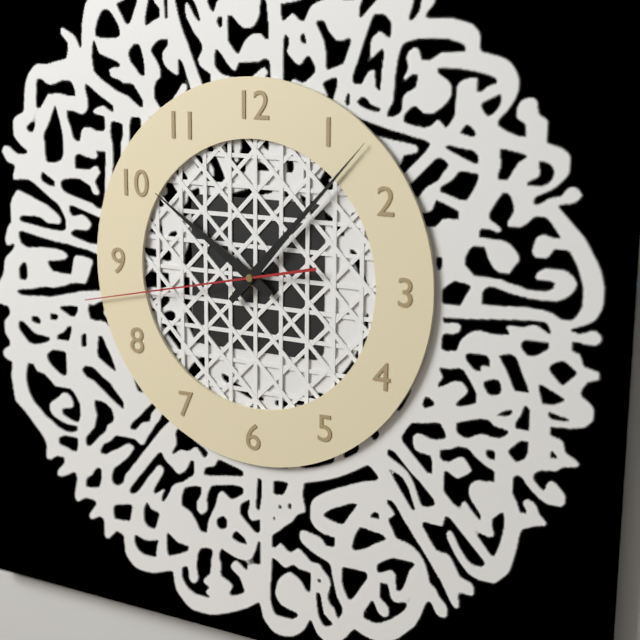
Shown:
h=10 m=7 s=43
